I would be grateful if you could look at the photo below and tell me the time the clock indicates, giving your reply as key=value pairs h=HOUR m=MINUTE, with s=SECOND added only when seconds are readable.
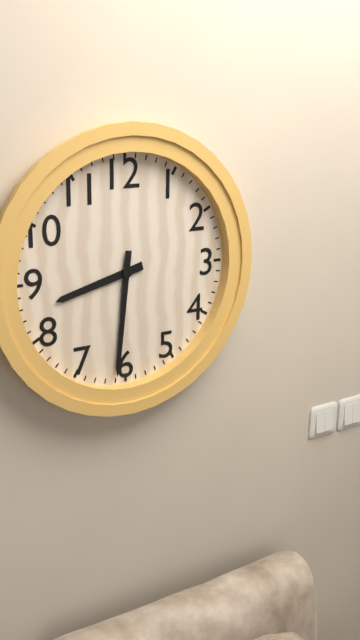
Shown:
h=8 m=31
